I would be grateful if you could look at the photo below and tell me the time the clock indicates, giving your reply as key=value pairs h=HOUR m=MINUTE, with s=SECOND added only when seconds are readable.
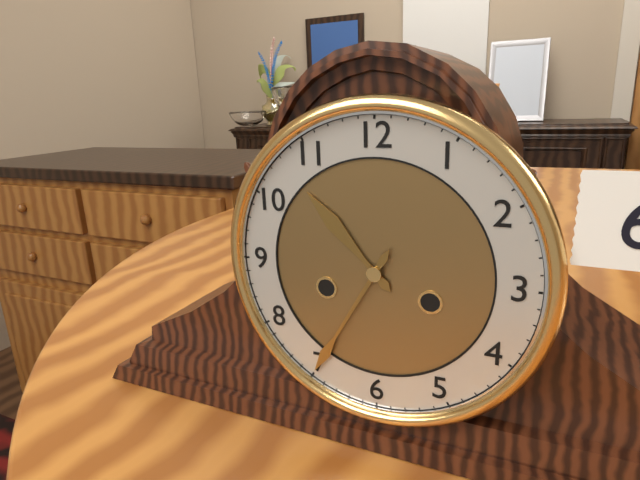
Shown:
h=10 m=35
